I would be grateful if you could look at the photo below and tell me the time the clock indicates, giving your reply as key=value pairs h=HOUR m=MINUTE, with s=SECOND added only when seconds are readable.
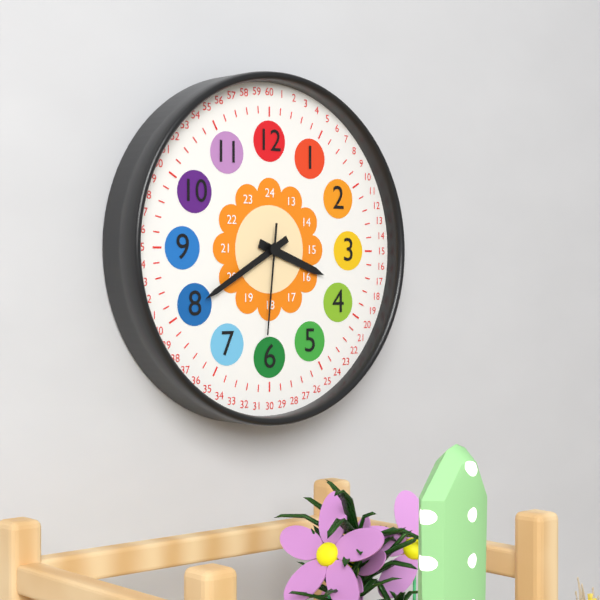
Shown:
h=3 m=40 s=31
